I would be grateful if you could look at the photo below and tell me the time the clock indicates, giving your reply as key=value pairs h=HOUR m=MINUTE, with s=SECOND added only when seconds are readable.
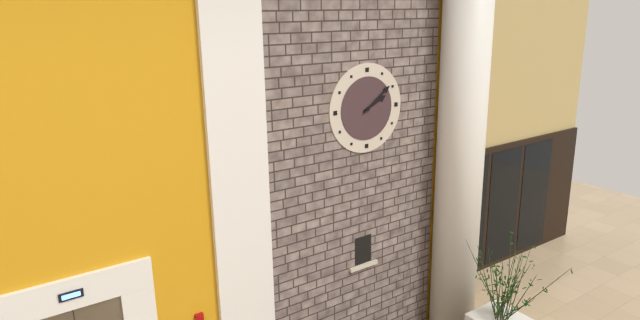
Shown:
h=2 m=9
